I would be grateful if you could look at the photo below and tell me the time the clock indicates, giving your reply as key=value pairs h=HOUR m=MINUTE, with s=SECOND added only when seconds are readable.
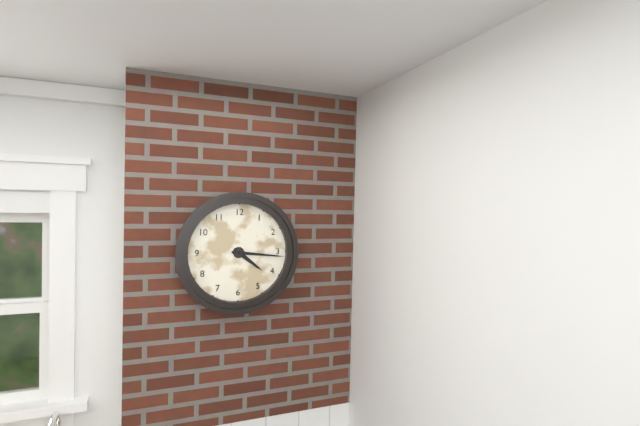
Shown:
h=4 m=16
